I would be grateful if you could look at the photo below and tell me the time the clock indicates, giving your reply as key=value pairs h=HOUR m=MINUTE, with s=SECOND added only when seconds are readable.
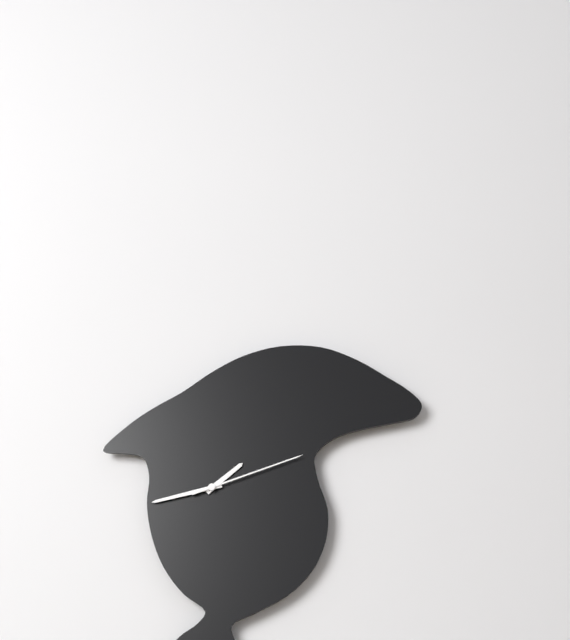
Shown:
h=1 m=43 s=12
